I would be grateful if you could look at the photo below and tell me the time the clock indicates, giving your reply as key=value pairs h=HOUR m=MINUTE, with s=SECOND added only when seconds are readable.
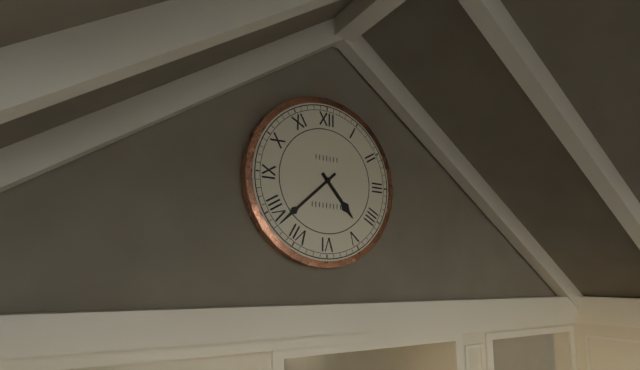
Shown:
h=4 m=38
